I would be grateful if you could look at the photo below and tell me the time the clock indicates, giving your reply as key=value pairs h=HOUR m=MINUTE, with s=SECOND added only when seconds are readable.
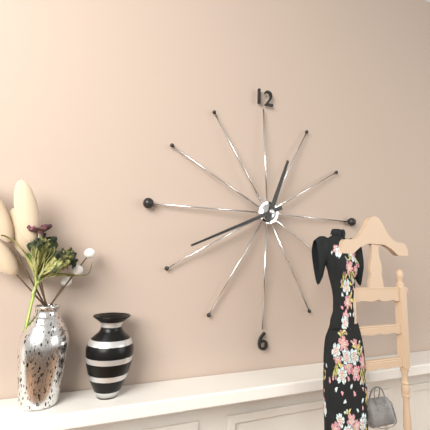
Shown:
h=12 m=41
